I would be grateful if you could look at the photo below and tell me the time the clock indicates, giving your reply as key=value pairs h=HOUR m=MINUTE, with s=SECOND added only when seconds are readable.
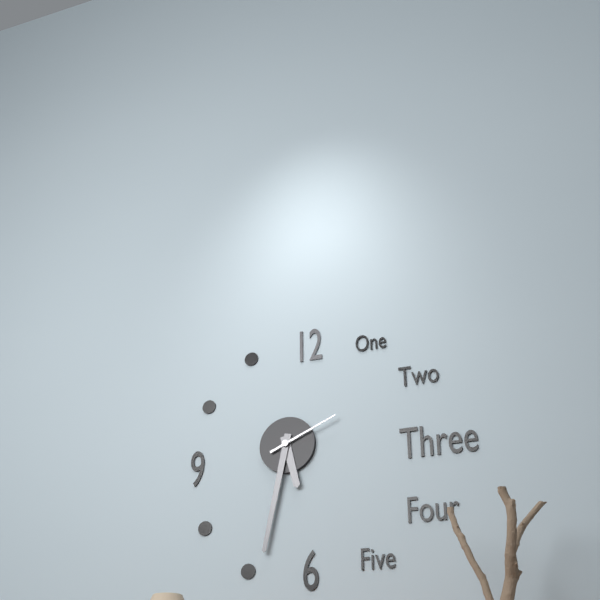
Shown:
h=5 m=32 s=11
